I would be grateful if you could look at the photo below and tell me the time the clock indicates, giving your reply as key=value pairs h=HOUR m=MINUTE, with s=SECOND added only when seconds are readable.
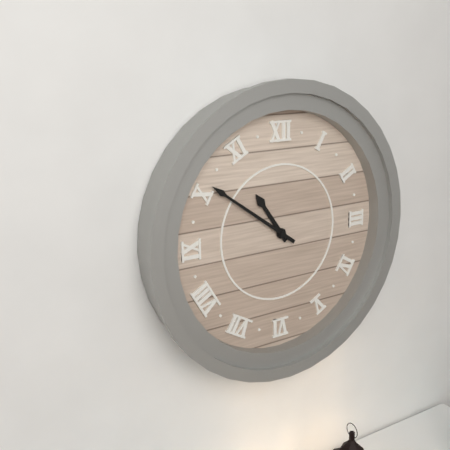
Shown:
h=10 m=51
